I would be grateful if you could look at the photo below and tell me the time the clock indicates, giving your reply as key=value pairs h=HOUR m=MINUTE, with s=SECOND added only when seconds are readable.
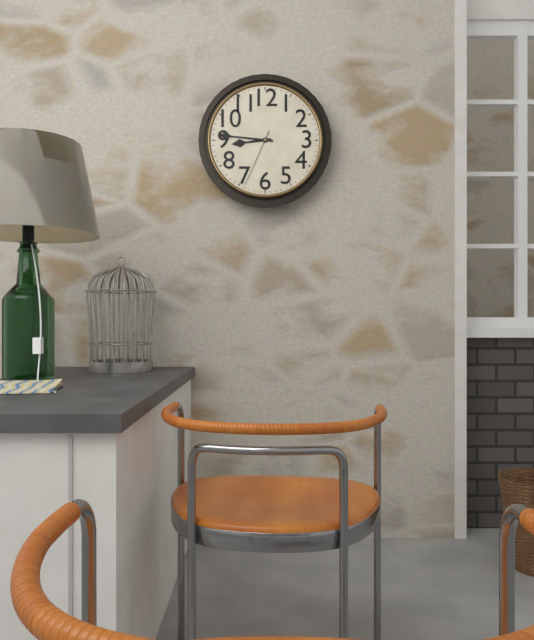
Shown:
h=8 m=46 s=34
